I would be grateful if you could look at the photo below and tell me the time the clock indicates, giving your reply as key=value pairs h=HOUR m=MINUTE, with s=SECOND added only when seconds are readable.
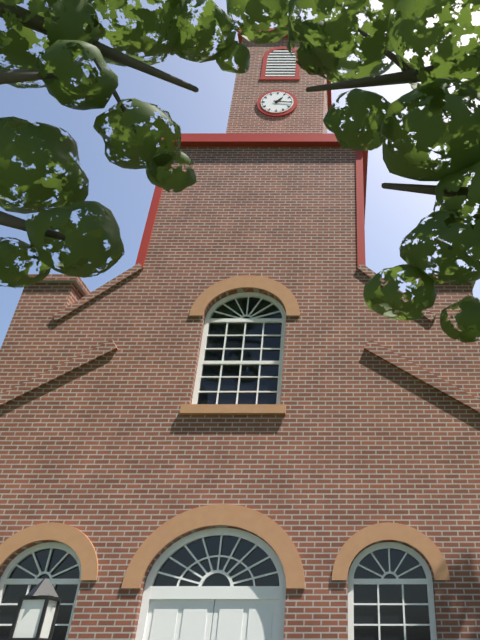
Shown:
h=1 m=16
